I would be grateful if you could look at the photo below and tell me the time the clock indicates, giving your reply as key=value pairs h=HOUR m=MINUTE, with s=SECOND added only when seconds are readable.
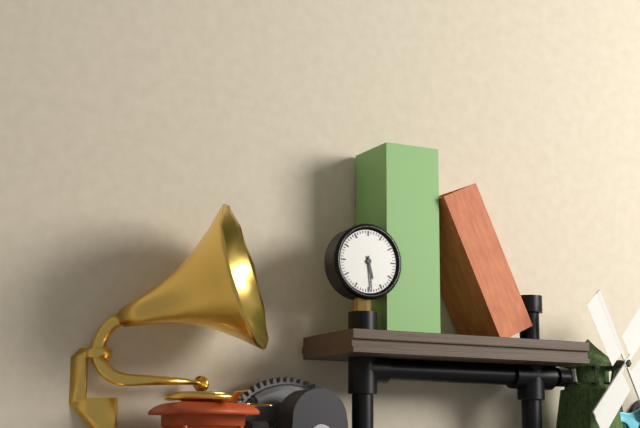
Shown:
h=5 m=29
